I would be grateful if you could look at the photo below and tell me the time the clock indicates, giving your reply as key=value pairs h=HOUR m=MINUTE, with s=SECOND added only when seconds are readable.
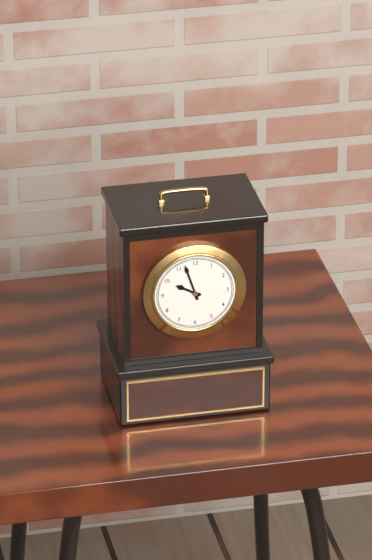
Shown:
h=9 m=57
